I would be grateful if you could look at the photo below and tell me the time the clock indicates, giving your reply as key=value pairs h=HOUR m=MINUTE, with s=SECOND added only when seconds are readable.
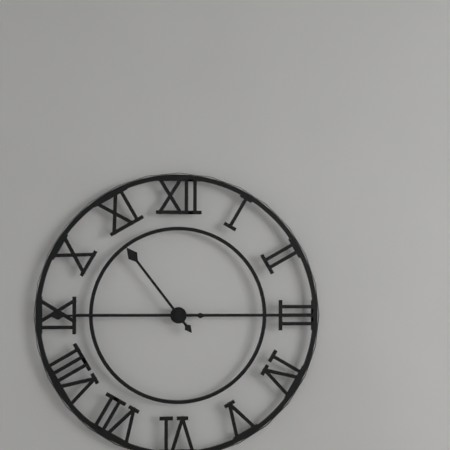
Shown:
h=10 m=45
